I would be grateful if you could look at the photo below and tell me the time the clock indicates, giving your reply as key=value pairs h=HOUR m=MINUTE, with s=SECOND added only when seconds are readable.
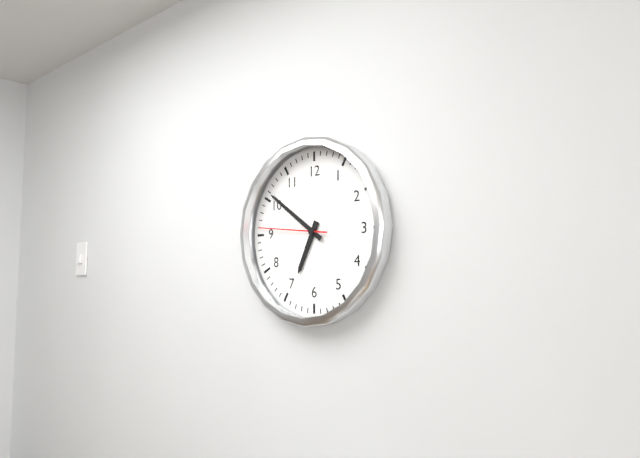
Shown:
h=6 m=51 s=46
